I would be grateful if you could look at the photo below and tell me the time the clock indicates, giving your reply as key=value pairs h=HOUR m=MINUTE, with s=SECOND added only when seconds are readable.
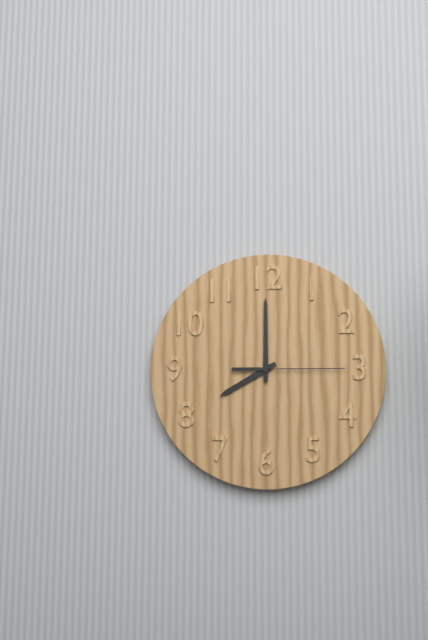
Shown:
h=8 m=0 s=15
